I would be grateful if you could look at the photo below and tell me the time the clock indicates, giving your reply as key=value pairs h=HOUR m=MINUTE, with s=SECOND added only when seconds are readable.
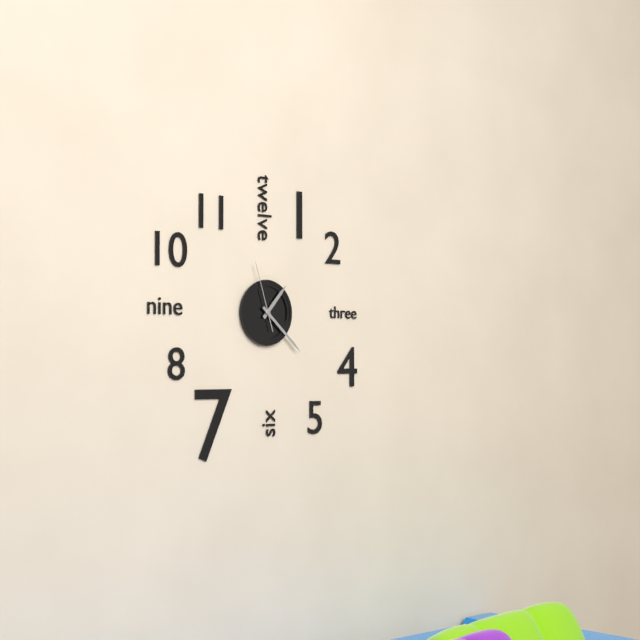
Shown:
h=1 m=22 s=57
